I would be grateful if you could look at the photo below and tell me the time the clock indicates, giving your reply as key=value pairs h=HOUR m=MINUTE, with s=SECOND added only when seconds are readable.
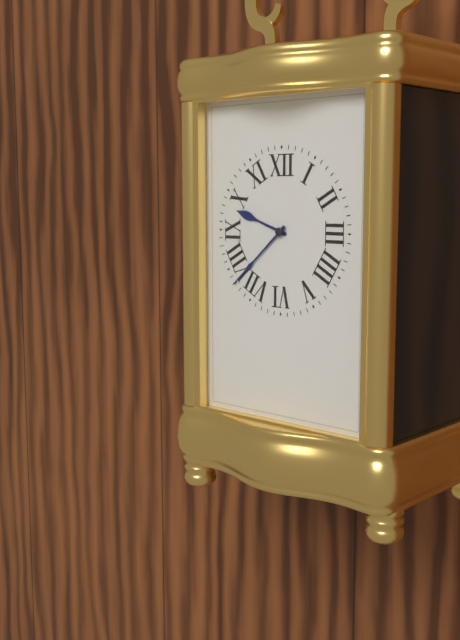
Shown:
h=9 m=38
